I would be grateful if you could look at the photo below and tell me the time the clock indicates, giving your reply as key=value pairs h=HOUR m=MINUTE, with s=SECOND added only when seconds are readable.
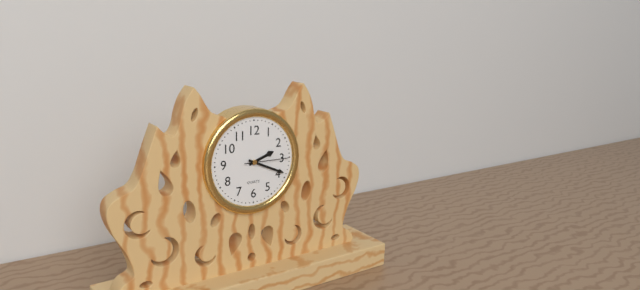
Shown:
h=2 m=19 s=15
